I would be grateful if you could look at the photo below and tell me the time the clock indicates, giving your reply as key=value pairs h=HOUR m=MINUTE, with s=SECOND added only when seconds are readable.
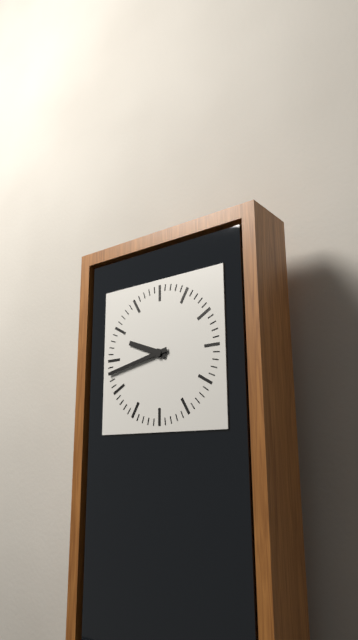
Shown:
h=9 m=43
